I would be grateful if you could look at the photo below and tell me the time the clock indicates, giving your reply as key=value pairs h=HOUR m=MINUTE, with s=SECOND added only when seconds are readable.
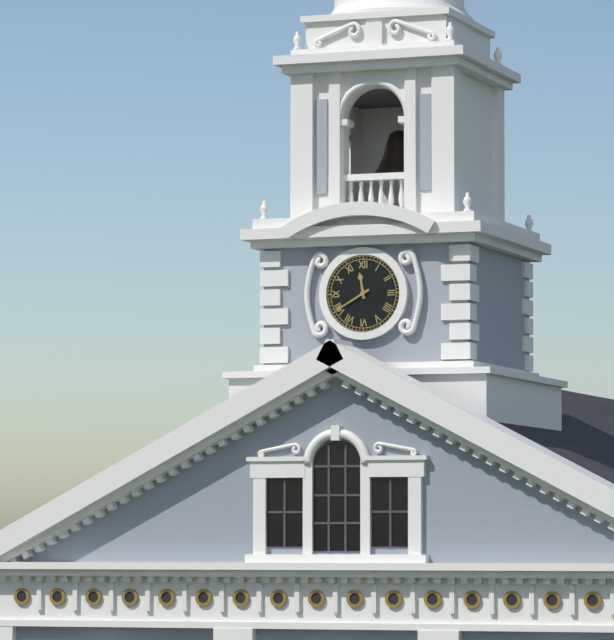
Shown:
h=11 m=40
